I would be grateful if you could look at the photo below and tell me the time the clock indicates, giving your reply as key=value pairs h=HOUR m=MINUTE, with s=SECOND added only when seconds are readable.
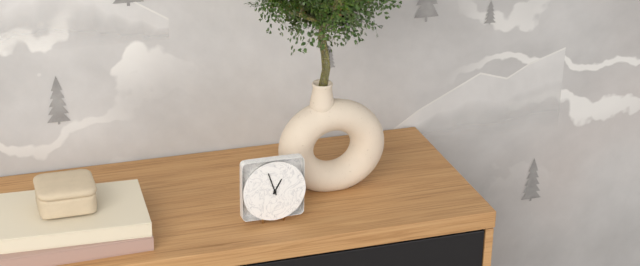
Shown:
h=12 m=57
